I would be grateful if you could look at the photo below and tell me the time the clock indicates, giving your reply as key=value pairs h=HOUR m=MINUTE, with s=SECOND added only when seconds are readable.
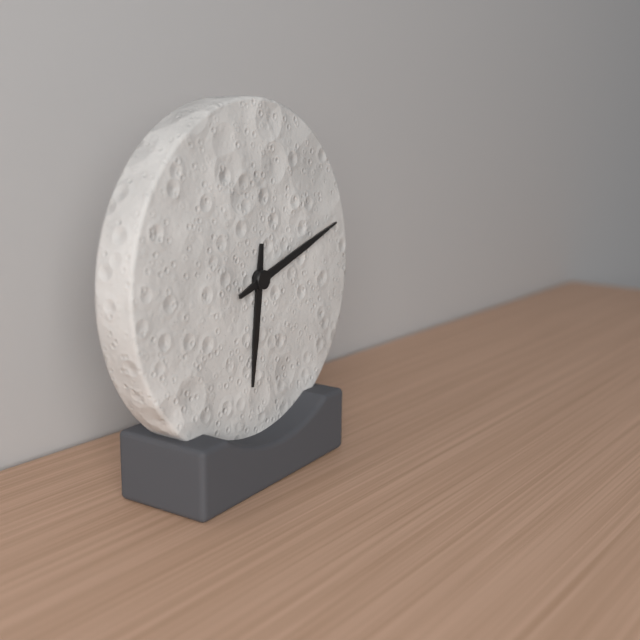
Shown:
h=6 m=12
